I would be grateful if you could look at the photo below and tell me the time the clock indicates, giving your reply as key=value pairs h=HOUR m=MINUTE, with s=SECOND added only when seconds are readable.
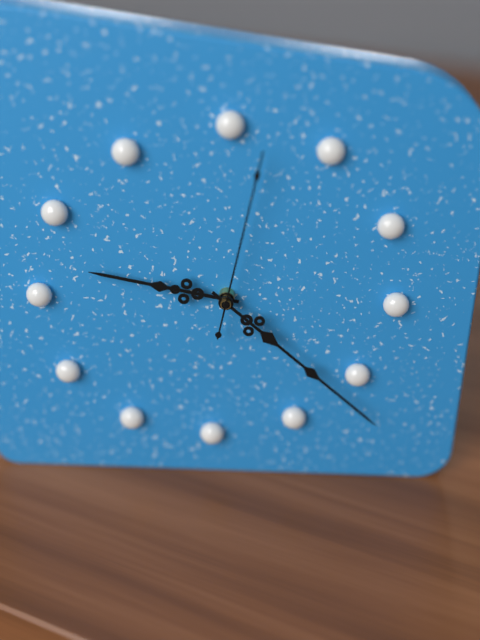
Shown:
h=9 m=22 s=2
